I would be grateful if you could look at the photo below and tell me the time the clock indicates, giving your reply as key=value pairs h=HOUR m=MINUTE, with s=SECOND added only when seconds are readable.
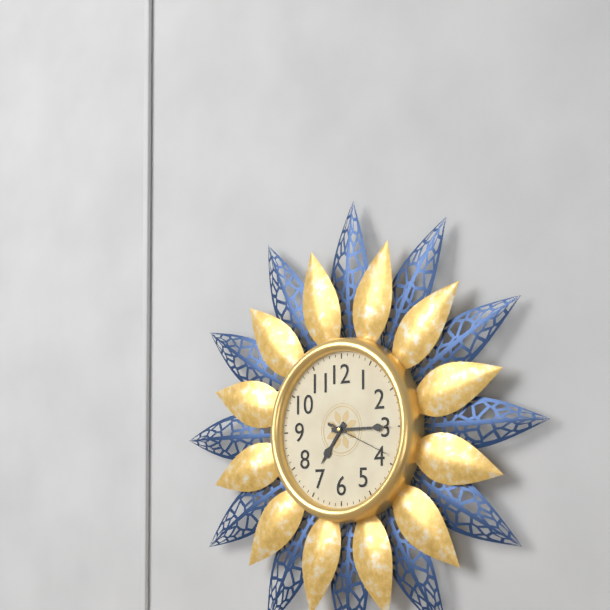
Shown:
h=7 m=15 s=19
